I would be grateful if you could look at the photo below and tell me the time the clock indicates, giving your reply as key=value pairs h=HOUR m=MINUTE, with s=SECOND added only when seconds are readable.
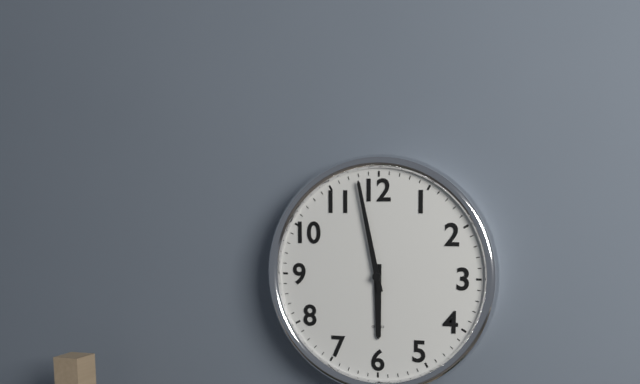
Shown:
h=5 m=58
